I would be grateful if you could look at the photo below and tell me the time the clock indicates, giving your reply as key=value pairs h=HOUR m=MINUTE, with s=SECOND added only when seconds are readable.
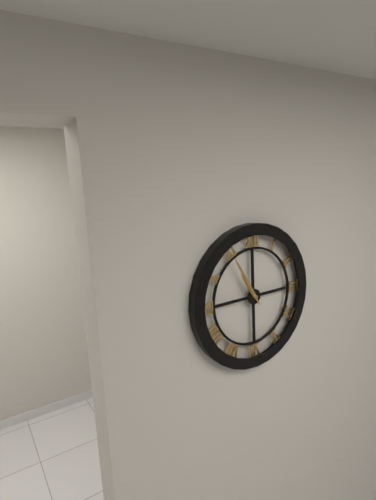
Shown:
h=10 m=55
